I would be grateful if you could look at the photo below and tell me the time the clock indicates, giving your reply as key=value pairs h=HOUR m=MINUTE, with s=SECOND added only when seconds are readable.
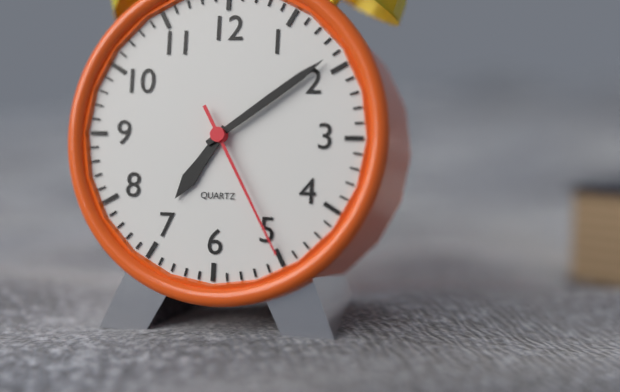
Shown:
h=7 m=9 s=25
